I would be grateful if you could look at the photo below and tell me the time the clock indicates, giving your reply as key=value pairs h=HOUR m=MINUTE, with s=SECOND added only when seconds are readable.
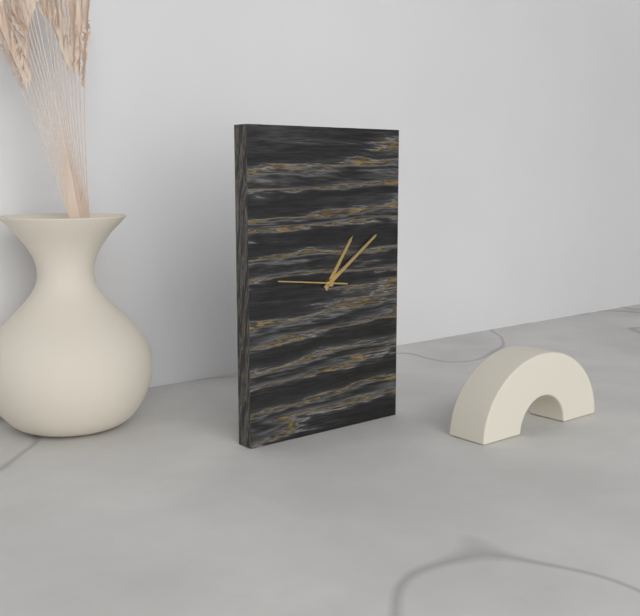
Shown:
h=1 m=9 s=46
